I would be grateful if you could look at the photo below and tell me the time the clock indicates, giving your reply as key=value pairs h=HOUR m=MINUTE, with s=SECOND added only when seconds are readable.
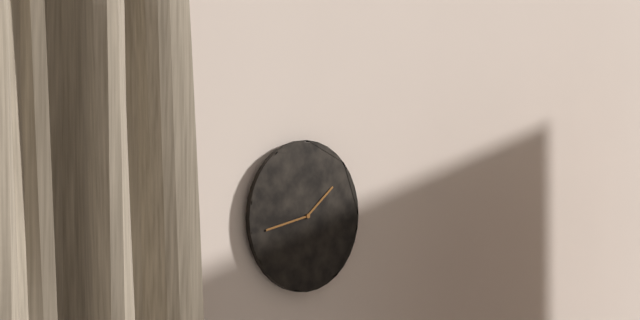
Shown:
h=1 m=43
